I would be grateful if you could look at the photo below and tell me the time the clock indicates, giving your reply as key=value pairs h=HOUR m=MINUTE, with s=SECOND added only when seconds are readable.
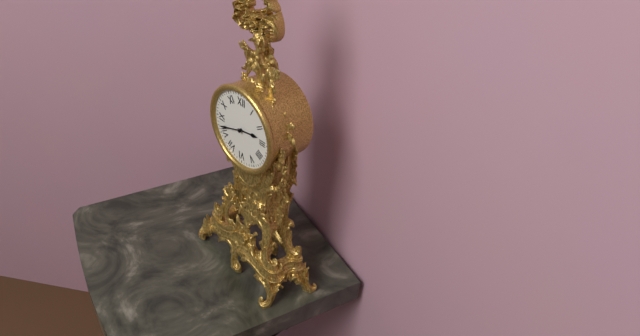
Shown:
h=2 m=42
